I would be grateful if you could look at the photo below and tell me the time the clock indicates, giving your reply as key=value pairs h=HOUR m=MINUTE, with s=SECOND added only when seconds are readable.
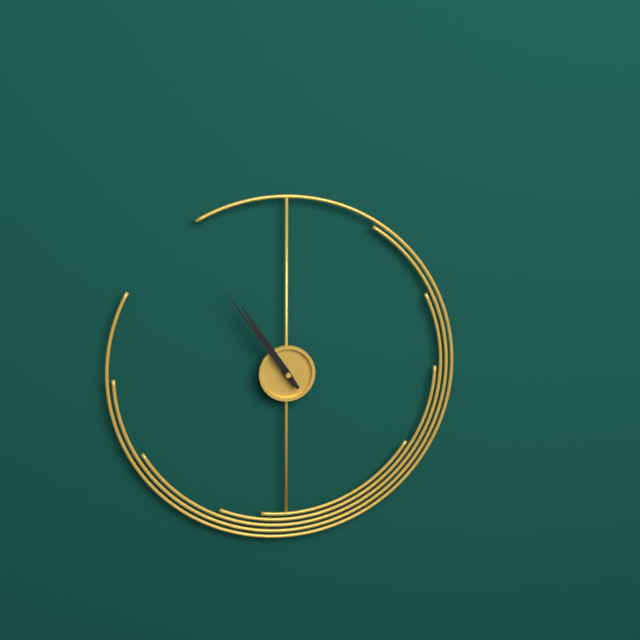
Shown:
h=10 m=54
